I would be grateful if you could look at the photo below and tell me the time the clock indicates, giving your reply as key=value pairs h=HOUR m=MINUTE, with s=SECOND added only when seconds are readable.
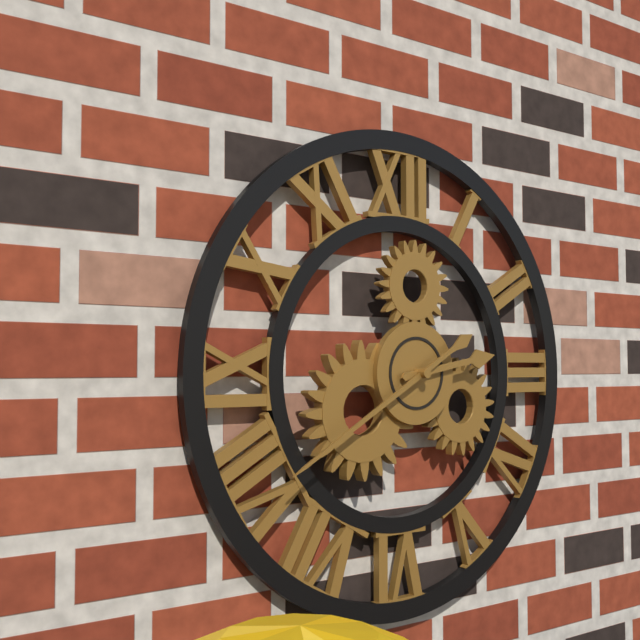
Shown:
h=2 m=40
